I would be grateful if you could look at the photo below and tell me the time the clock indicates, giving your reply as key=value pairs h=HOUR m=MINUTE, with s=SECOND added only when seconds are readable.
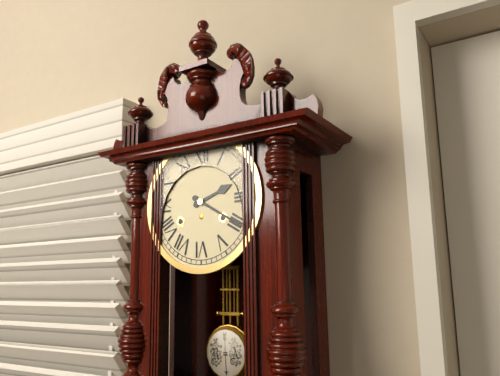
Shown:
h=2 m=20
